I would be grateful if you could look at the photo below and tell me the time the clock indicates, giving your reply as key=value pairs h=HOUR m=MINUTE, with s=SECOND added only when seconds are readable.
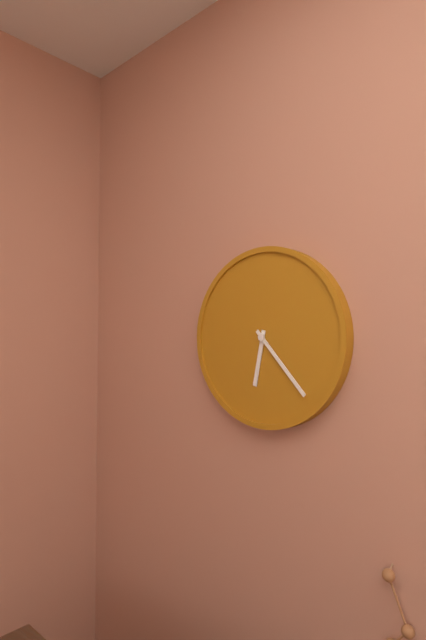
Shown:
h=6 m=23
